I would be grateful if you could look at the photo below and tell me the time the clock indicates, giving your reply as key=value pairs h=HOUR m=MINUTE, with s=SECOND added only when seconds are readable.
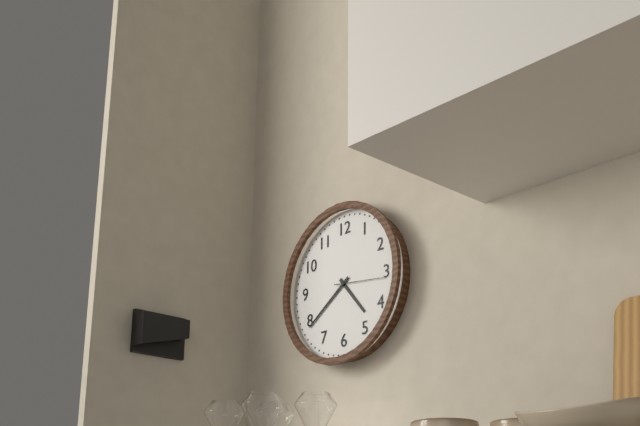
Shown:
h=4 m=39
